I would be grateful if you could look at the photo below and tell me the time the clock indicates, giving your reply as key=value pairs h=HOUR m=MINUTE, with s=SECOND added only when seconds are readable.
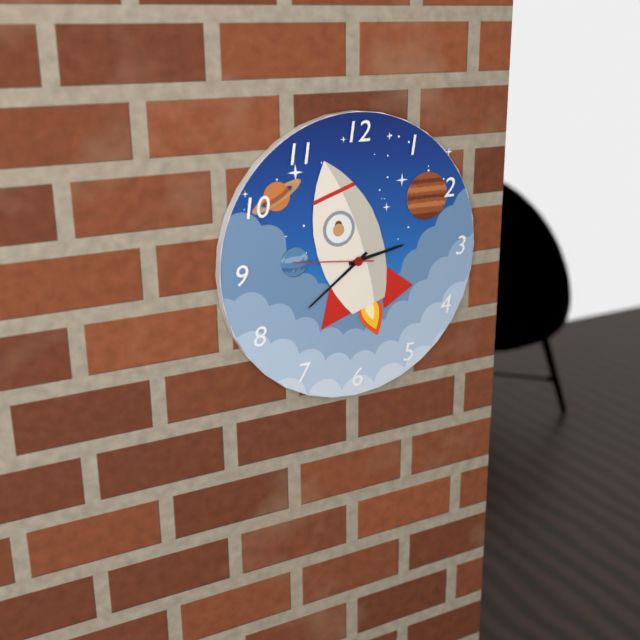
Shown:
h=2 m=39 s=46
